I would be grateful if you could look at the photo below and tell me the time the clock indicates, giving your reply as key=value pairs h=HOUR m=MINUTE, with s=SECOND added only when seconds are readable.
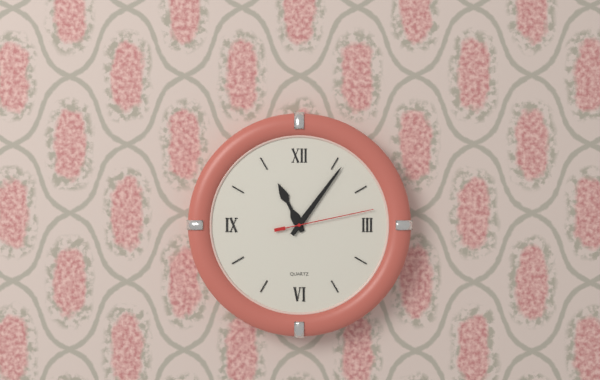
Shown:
h=11 m=6 s=13
